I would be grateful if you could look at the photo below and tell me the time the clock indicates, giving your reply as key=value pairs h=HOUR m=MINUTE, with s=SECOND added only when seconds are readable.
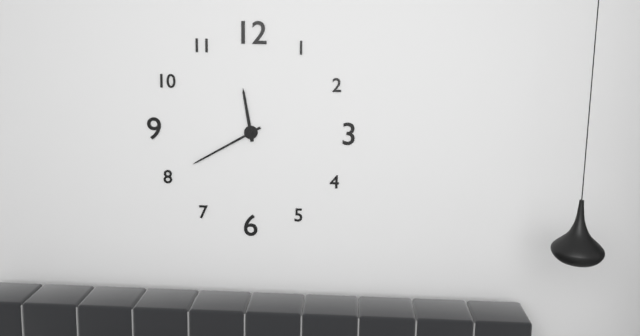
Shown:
h=11 m=40
